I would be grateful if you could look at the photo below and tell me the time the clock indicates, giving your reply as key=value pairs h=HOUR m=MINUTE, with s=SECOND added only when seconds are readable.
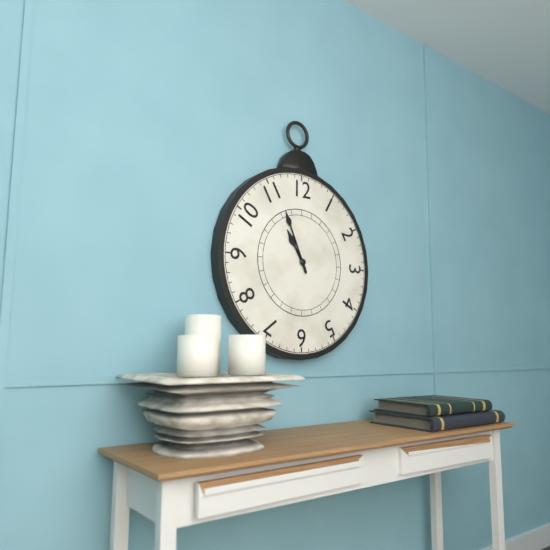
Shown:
h=10 m=56
